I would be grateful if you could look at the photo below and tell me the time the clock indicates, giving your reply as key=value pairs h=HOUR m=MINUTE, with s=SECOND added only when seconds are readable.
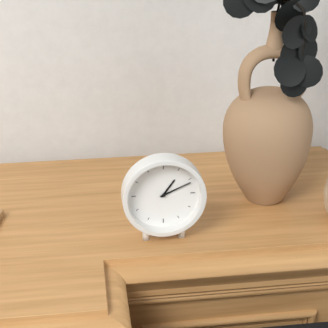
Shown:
h=1 m=11
